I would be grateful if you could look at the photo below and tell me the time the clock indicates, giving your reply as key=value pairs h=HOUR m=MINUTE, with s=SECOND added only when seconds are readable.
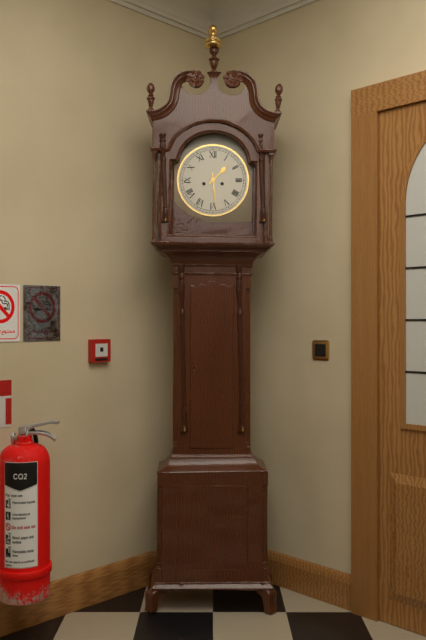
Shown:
h=1 m=29
